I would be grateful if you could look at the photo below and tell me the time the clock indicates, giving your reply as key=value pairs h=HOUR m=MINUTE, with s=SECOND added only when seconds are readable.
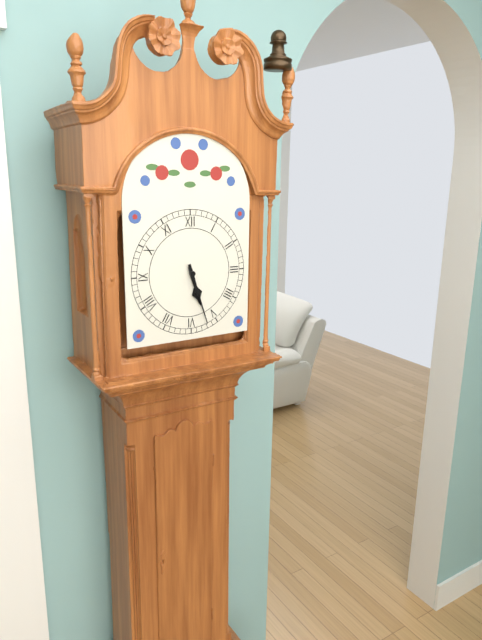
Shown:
h=5 m=27
